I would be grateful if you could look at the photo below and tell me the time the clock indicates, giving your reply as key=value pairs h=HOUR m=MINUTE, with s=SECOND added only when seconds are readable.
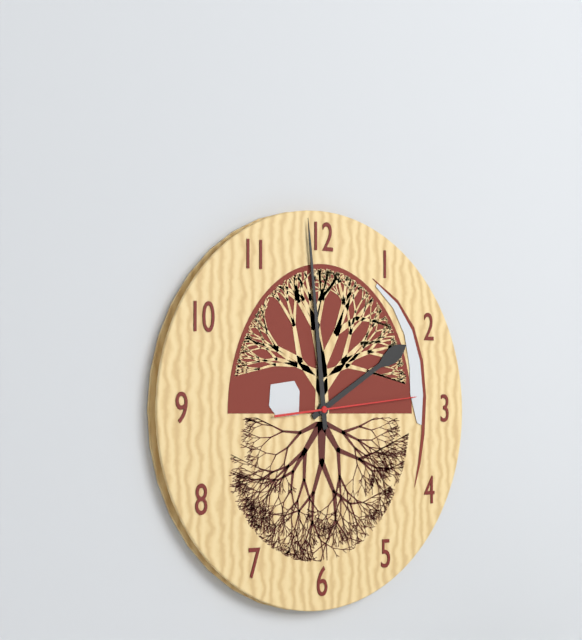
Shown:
h=1 m=59 s=14
